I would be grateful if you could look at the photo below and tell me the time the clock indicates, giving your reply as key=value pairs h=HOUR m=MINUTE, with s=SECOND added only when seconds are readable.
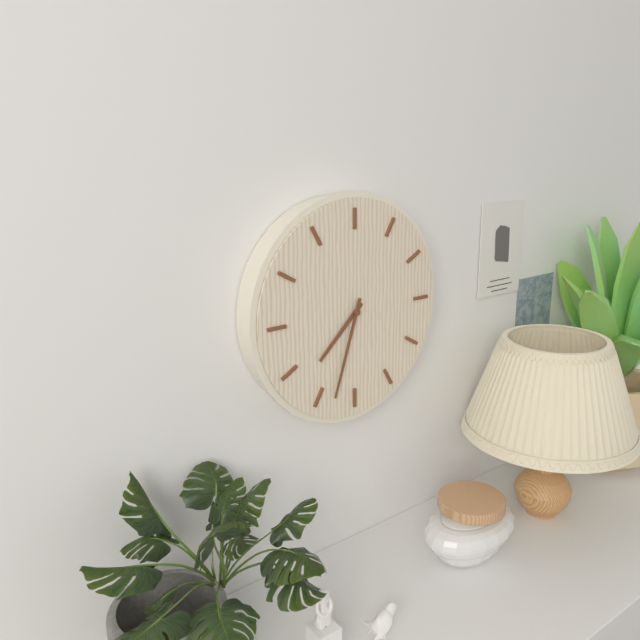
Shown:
h=7 m=33
